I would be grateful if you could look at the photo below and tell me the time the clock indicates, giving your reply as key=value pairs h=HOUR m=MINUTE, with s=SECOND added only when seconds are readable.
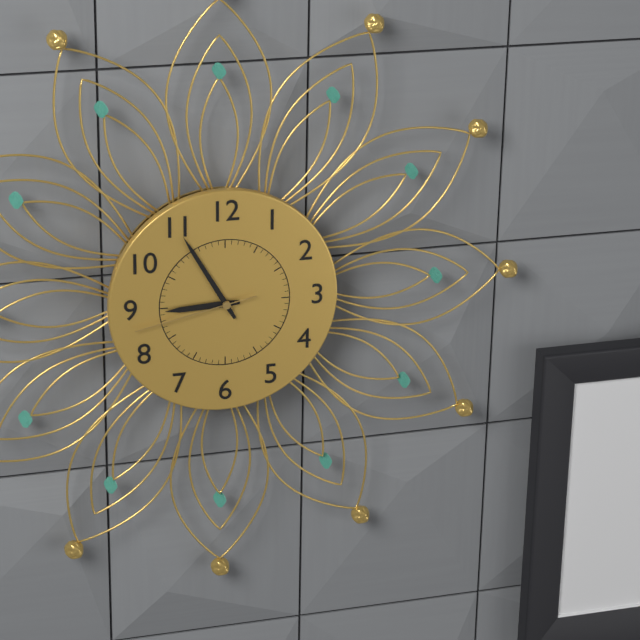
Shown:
h=8 m=55 s=43
